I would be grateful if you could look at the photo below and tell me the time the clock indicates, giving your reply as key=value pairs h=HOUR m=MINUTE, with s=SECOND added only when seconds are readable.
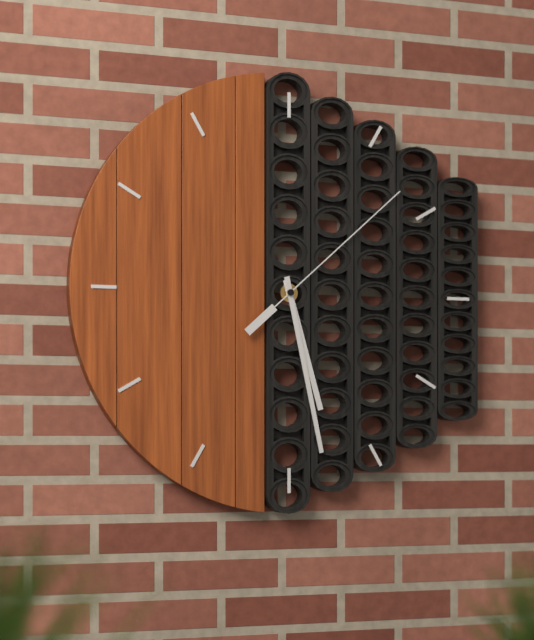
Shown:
h=5 m=28 s=8
